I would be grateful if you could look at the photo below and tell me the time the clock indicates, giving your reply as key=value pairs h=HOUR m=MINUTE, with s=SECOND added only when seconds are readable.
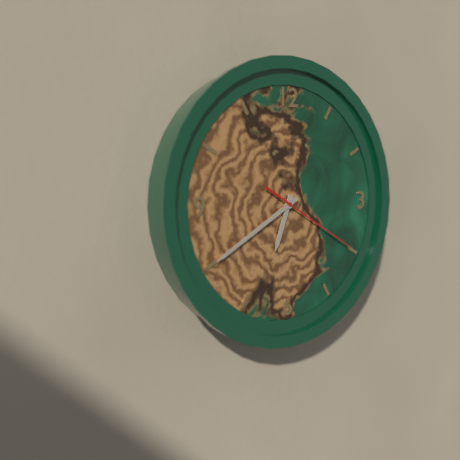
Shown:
h=6 m=40 s=20
